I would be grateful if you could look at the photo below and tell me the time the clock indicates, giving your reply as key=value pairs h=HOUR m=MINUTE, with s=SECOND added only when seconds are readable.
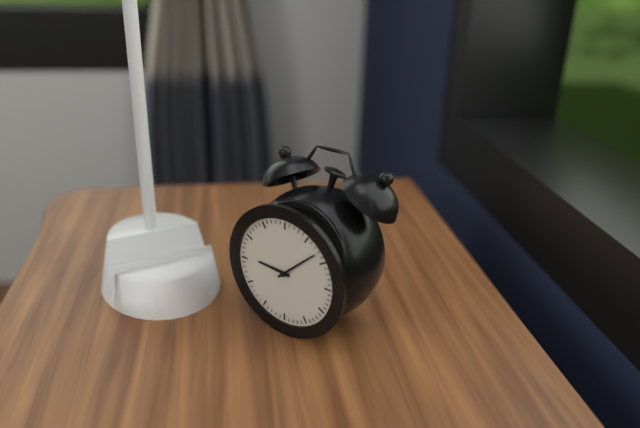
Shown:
h=9 m=8
